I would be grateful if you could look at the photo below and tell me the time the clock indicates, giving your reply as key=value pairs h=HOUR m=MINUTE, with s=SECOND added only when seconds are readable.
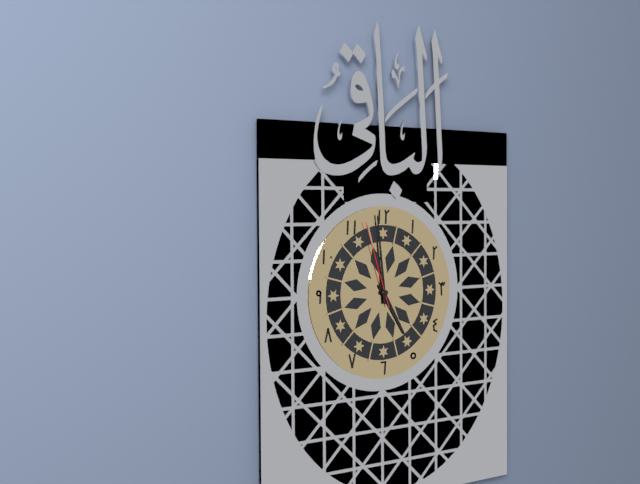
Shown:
h=4 m=59 s=57
